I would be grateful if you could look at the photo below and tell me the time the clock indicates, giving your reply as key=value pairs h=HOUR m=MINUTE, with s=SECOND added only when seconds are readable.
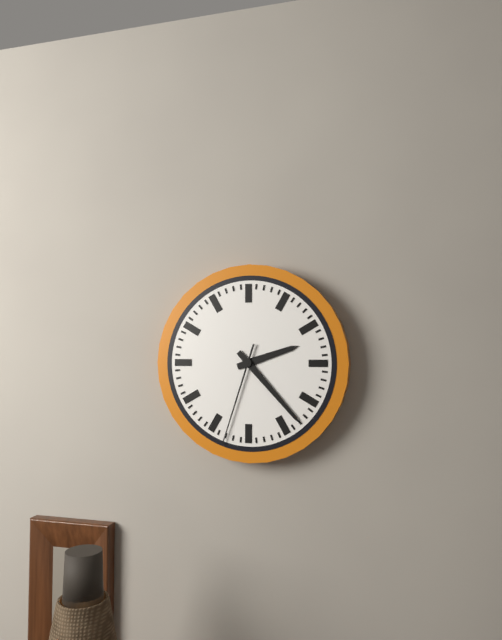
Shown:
h=2 m=23 s=33
